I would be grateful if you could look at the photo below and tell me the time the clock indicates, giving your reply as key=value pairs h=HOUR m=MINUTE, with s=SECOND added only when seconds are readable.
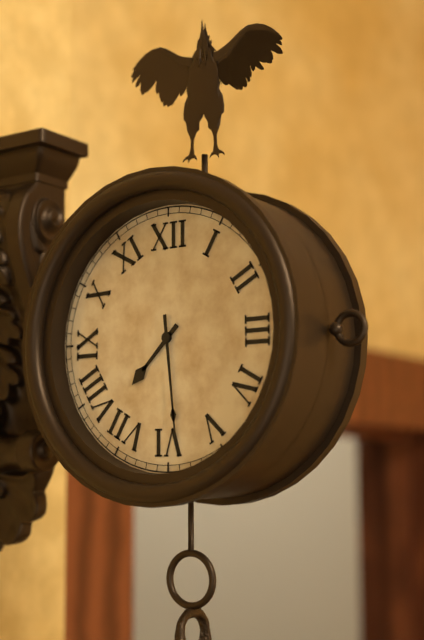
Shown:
h=7 m=29
